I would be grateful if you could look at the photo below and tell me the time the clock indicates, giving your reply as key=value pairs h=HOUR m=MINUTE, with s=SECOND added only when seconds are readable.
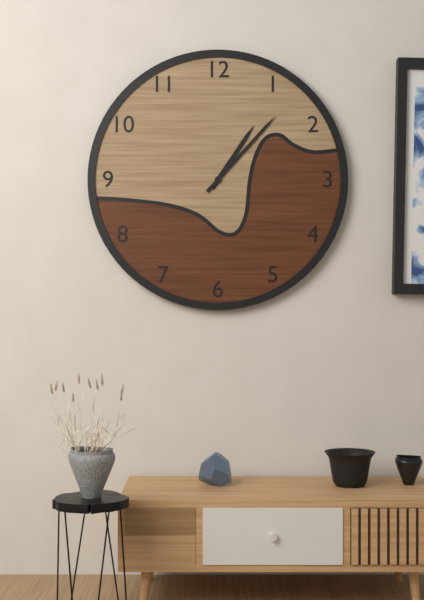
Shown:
h=1 m=7
